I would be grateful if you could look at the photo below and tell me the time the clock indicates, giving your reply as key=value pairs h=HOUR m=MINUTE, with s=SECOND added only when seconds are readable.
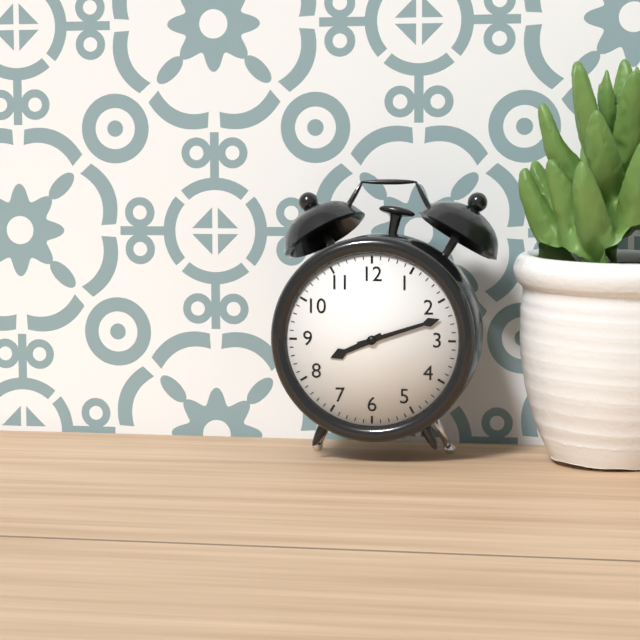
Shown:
h=8 m=12
